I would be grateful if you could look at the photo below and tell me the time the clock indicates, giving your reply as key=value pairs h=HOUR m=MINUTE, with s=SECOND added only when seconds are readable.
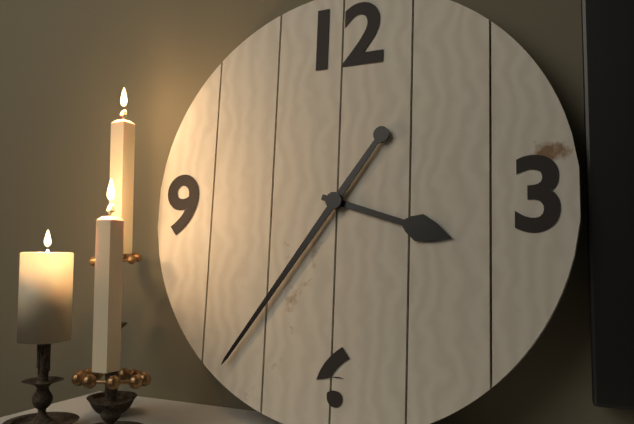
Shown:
h=3 m=36
